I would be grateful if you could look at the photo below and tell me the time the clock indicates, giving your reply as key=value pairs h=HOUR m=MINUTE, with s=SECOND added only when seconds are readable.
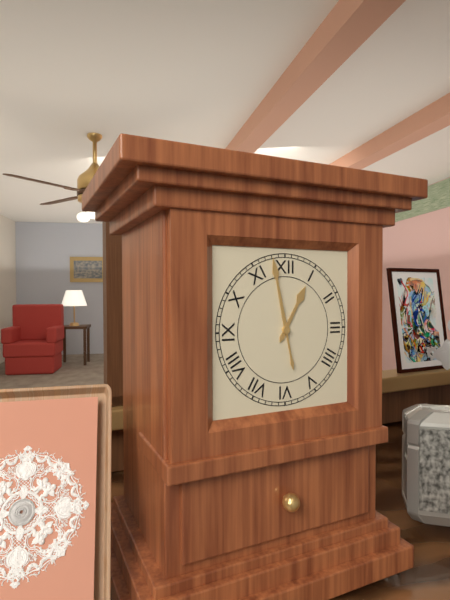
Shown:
h=12 m=58
